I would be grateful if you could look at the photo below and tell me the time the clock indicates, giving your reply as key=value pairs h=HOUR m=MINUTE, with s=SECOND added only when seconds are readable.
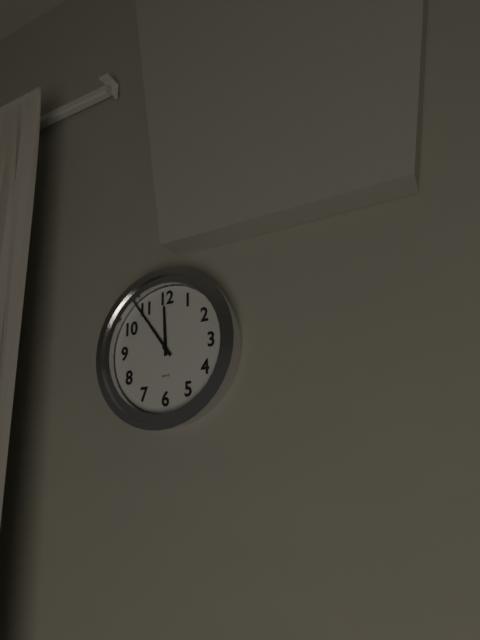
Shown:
h=11 m=54
